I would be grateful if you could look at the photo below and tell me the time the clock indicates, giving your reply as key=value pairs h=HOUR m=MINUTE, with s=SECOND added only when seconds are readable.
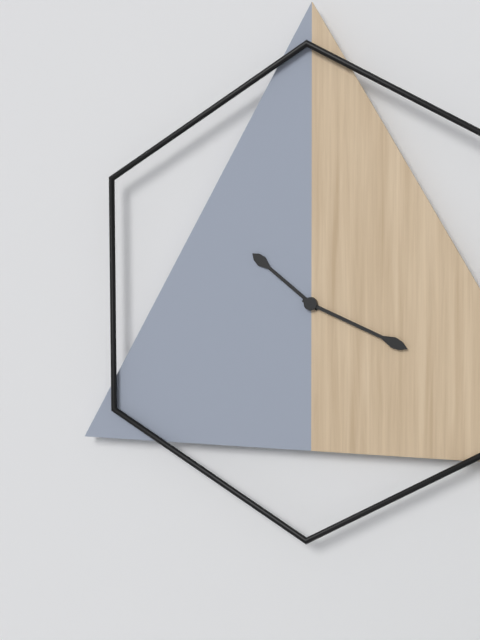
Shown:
h=10 m=19
